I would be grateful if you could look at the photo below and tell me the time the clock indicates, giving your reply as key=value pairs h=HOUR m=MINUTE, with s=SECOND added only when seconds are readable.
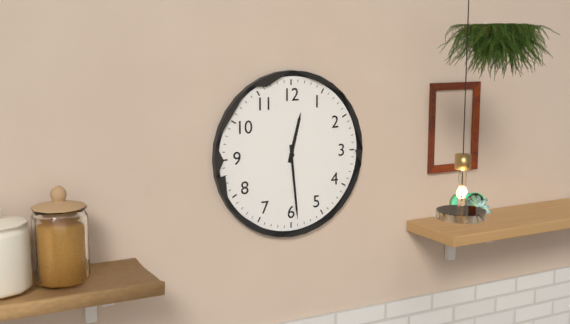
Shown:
h=12 m=29
